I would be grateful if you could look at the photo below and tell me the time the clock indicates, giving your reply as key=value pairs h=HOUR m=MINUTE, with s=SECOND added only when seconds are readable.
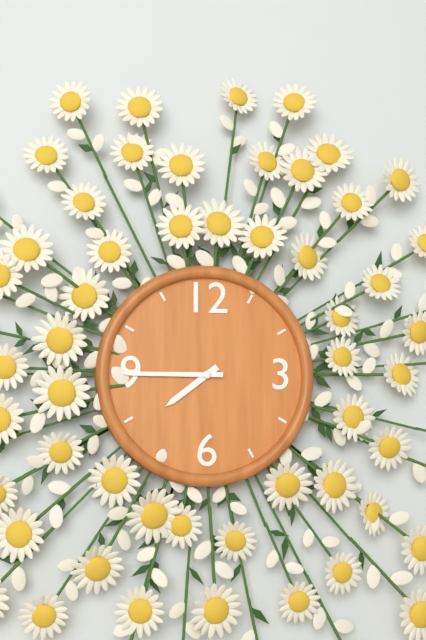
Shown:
h=7 m=45
